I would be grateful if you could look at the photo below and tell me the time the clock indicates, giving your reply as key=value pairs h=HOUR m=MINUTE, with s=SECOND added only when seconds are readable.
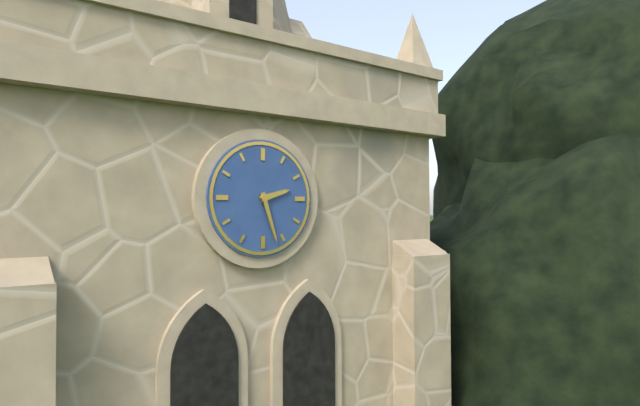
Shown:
h=2 m=27
